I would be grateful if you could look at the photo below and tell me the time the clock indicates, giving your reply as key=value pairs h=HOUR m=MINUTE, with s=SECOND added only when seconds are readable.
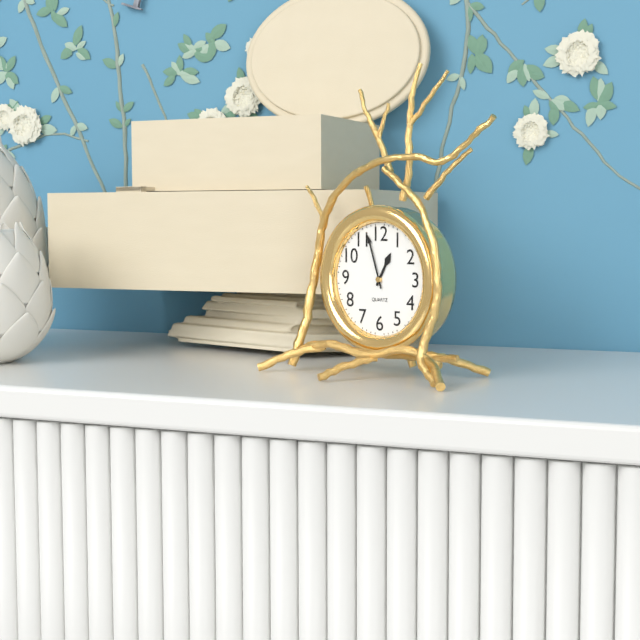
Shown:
h=12 m=57
